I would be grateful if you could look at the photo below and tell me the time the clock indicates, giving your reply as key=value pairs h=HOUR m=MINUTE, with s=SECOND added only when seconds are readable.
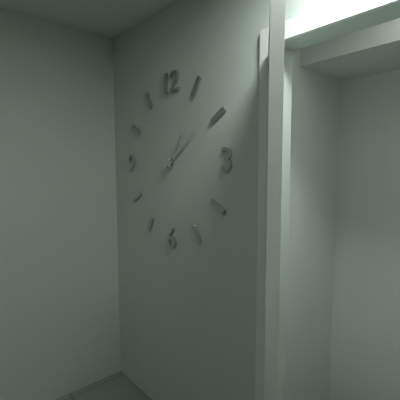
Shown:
h=1 m=9
